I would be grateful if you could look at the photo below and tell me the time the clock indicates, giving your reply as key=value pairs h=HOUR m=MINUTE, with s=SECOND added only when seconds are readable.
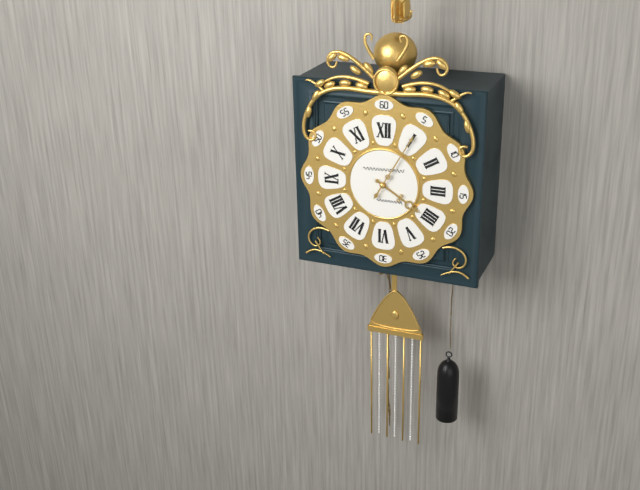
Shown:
h=4 m=5
